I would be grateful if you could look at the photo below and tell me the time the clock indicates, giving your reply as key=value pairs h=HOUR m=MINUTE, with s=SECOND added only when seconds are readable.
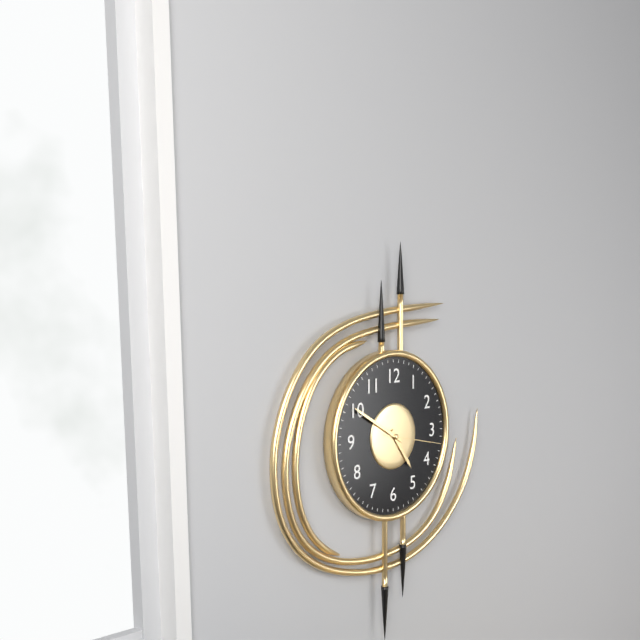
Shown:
h=4 m=50 s=17
